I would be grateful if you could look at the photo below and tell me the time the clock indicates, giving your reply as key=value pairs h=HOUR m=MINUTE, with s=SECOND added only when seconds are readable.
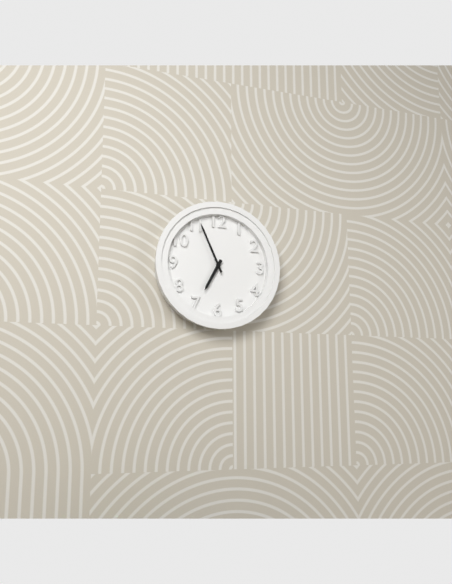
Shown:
h=6 m=56
